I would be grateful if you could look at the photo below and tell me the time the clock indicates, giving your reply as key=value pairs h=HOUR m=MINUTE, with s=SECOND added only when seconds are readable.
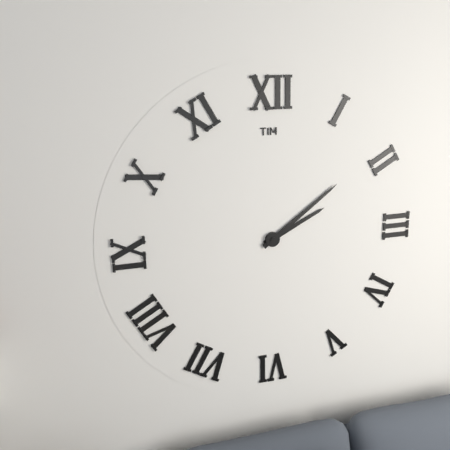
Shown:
h=2 m=9
